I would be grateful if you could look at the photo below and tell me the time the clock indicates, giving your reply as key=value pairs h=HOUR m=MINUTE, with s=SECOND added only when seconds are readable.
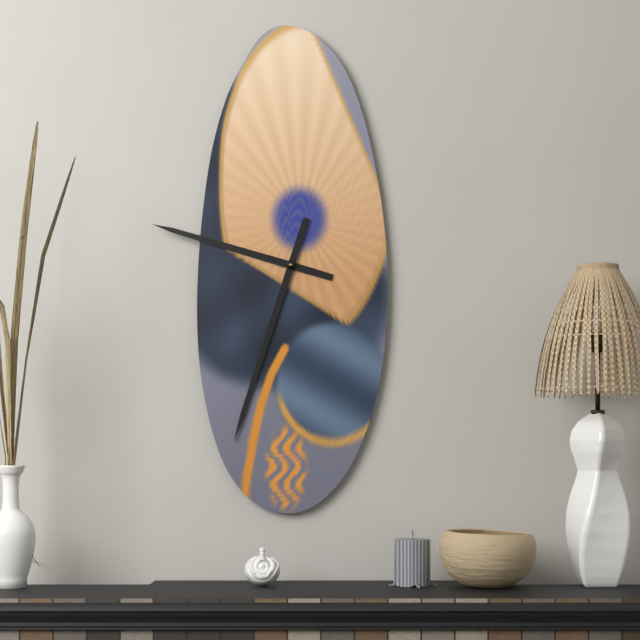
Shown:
h=9 m=33
